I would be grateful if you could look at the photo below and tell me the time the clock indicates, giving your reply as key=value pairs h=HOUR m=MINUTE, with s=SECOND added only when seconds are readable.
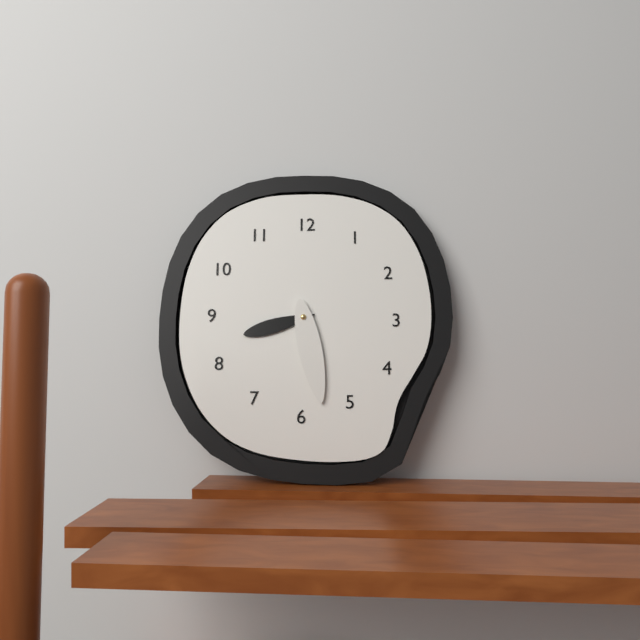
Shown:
h=8 m=28
